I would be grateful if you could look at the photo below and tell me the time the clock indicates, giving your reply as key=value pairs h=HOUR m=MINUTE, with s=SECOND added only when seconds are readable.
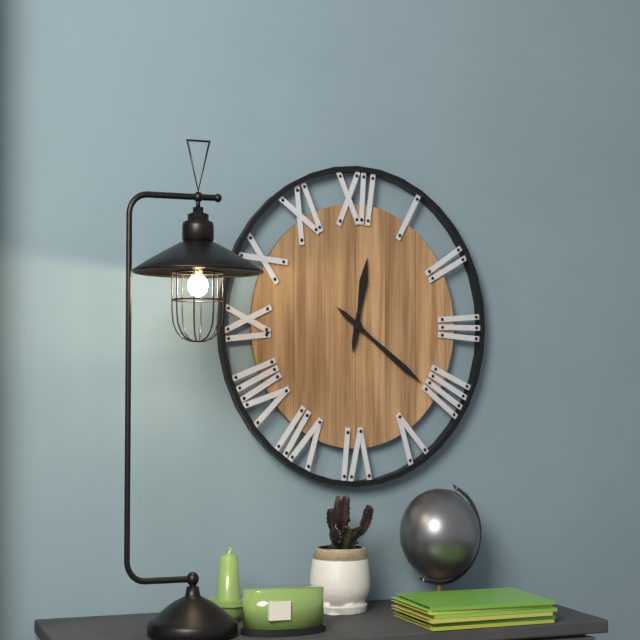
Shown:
h=12 m=21
